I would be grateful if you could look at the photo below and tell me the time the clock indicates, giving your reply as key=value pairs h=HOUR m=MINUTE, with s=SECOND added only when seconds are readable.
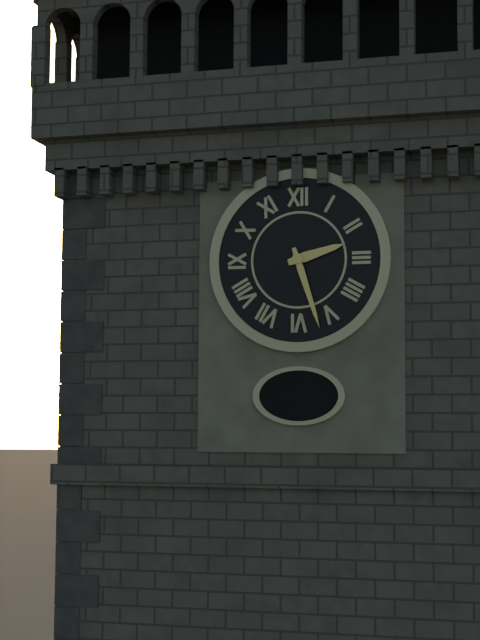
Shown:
h=2 m=27
